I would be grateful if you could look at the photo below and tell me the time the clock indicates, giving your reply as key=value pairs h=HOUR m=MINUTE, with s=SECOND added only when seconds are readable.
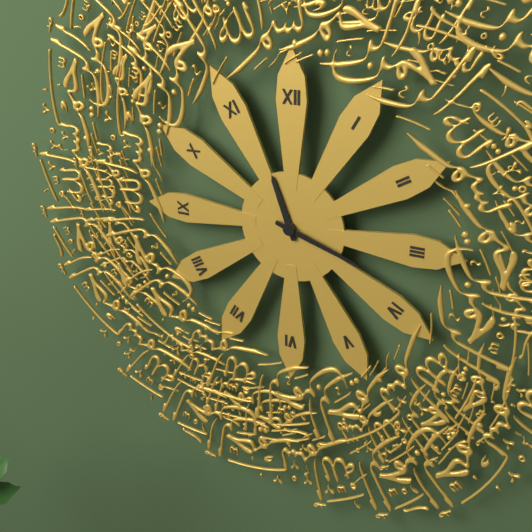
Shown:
h=11 m=18
